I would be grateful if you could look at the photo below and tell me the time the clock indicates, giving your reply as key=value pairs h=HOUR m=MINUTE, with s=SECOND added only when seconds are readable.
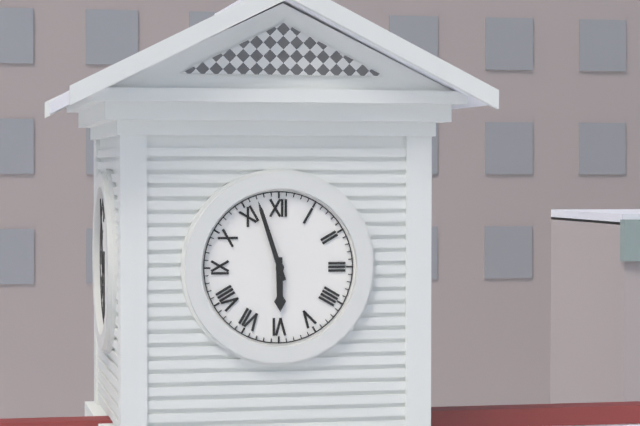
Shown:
h=5 m=57
